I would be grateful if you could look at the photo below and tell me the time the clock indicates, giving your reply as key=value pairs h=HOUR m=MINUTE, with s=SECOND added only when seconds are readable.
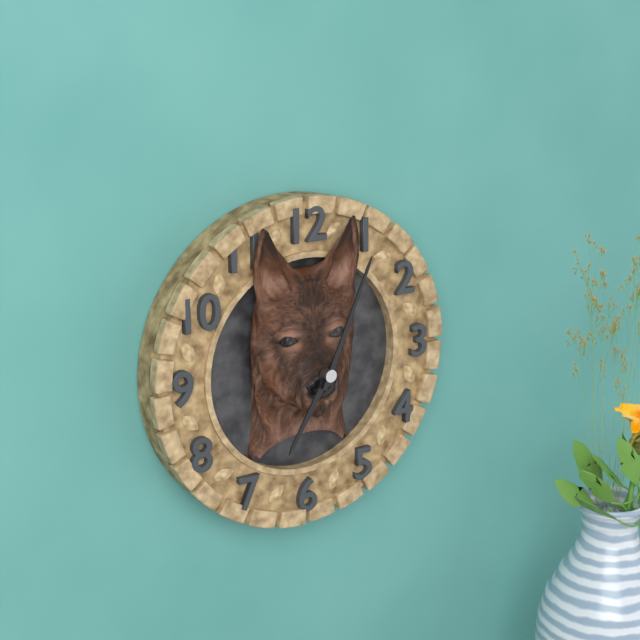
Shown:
h=7 m=4
